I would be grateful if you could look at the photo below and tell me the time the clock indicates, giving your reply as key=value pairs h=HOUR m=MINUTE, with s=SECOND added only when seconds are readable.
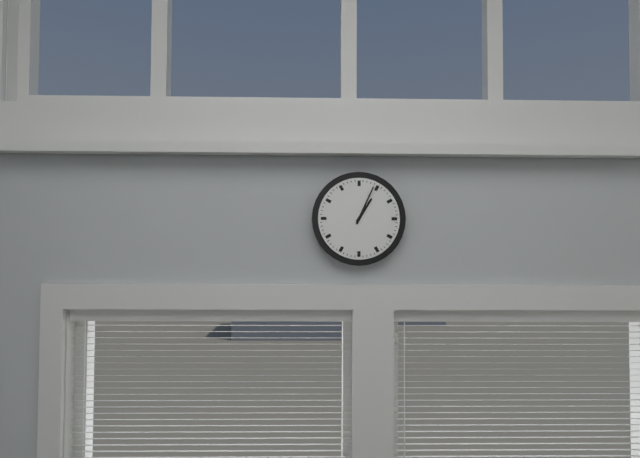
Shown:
h=1 m=4
